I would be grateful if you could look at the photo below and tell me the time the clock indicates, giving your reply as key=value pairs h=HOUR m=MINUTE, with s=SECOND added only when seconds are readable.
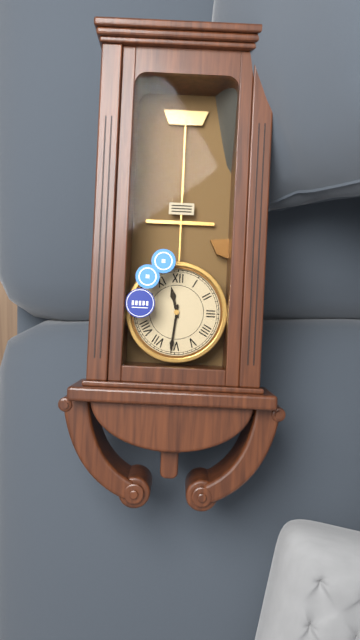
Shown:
h=11 m=31
